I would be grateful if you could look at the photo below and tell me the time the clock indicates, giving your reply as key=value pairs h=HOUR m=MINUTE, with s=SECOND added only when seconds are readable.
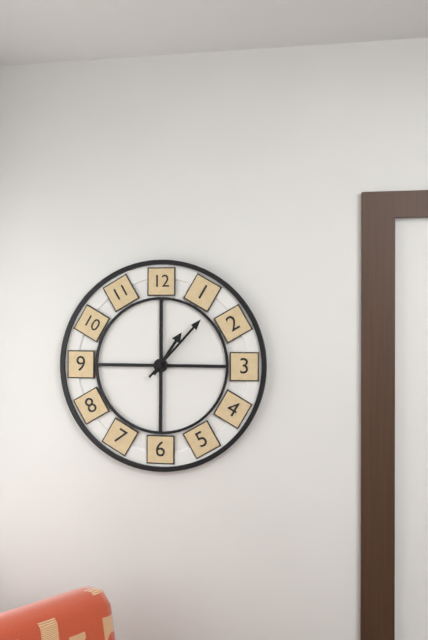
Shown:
h=1 m=7
